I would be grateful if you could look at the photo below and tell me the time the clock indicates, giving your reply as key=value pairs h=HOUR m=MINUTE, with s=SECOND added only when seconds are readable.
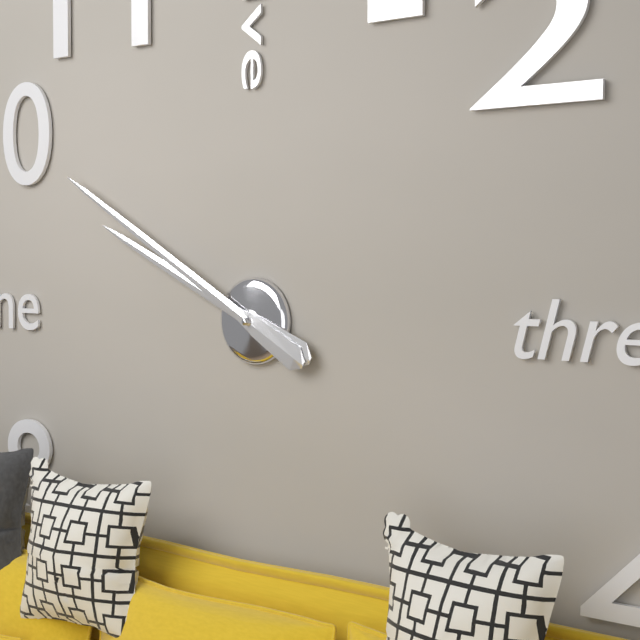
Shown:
h=9 m=50
